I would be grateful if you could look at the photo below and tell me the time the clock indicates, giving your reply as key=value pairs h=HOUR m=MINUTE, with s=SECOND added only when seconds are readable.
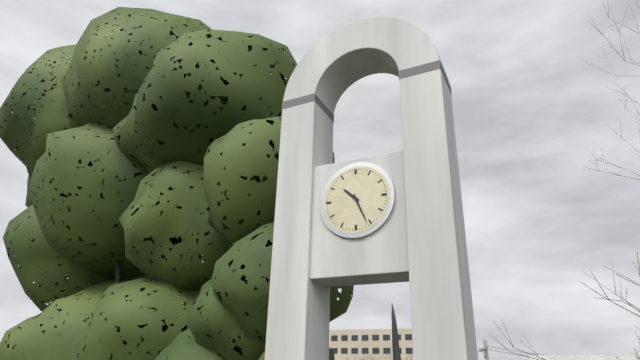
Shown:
h=10 m=26
